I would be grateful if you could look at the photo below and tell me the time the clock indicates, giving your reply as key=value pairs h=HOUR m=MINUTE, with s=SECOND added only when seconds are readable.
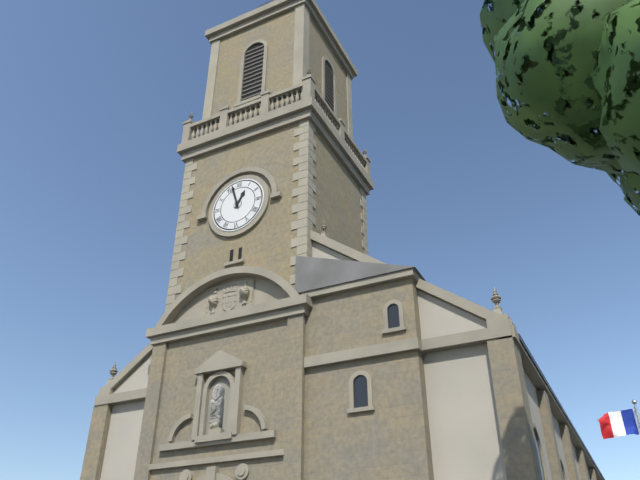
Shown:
h=12 m=57
